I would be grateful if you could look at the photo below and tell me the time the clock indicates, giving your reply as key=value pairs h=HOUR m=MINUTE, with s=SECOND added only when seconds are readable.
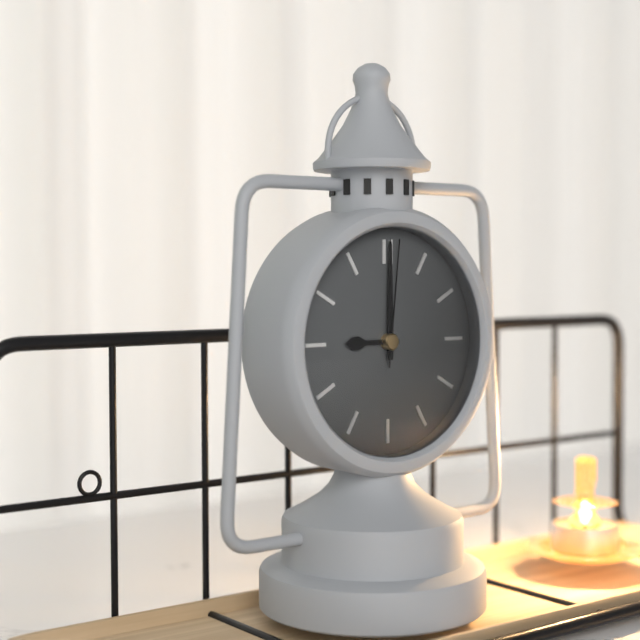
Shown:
h=9 m=0 s=1
